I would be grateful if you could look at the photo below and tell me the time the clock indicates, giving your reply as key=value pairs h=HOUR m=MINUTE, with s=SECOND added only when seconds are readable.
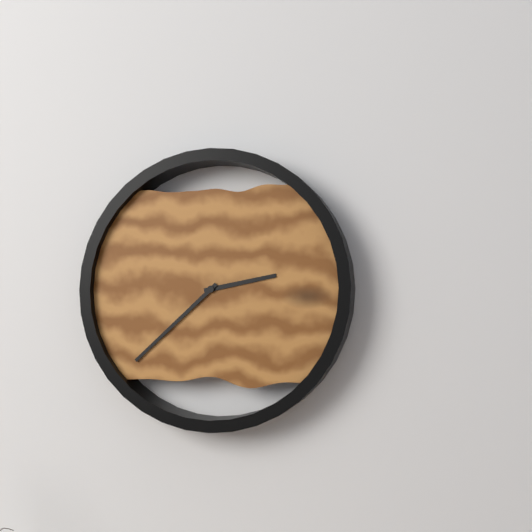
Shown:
h=2 m=38
